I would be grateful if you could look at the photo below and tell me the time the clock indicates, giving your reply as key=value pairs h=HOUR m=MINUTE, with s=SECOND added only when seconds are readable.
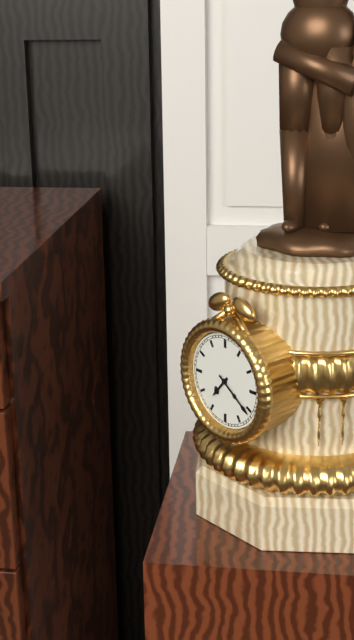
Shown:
h=7 m=21
